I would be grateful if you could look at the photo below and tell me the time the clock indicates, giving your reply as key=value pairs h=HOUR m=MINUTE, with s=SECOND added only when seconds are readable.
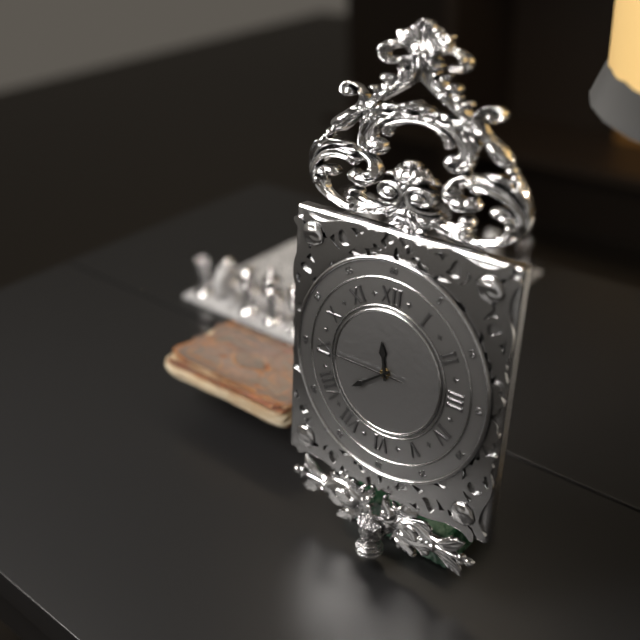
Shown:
h=11 m=39 s=45
